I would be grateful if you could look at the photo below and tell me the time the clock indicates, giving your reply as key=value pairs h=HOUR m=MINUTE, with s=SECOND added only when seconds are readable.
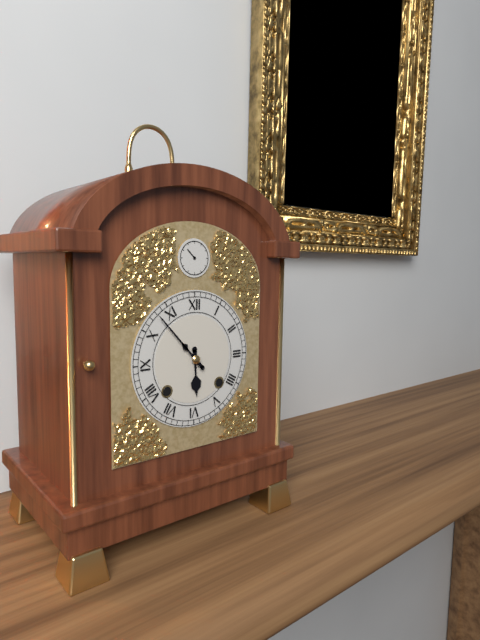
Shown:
h=5 m=53
